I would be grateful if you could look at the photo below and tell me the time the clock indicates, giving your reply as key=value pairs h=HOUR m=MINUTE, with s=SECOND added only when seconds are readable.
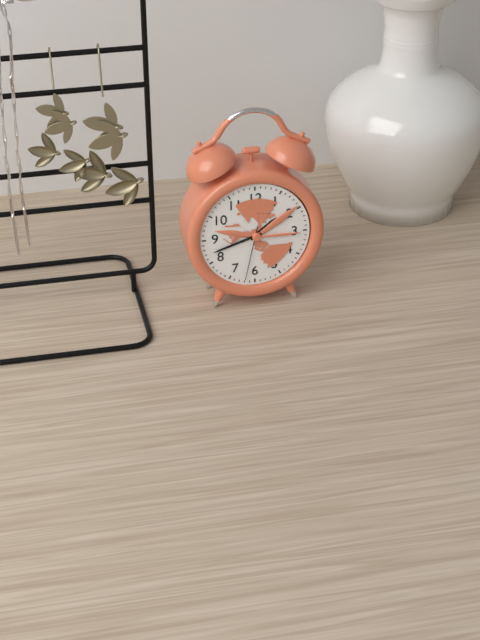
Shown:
h=1 m=42 s=32
